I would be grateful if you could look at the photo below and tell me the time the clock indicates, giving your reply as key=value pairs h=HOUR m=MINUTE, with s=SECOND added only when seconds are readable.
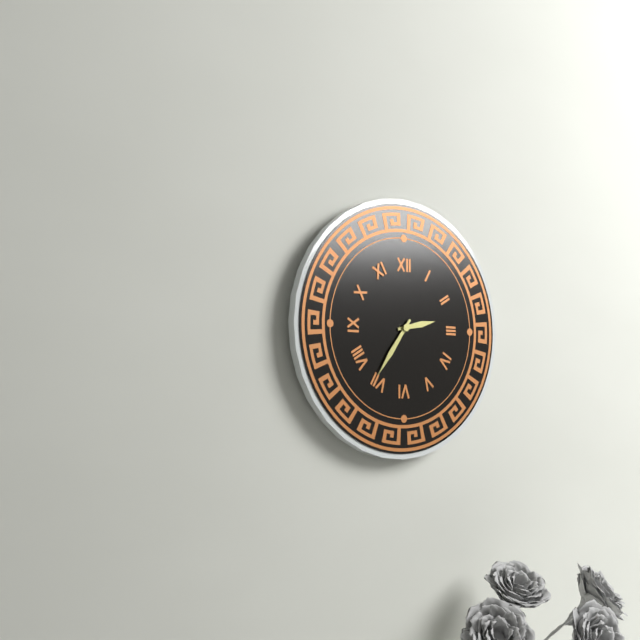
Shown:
h=2 m=36
